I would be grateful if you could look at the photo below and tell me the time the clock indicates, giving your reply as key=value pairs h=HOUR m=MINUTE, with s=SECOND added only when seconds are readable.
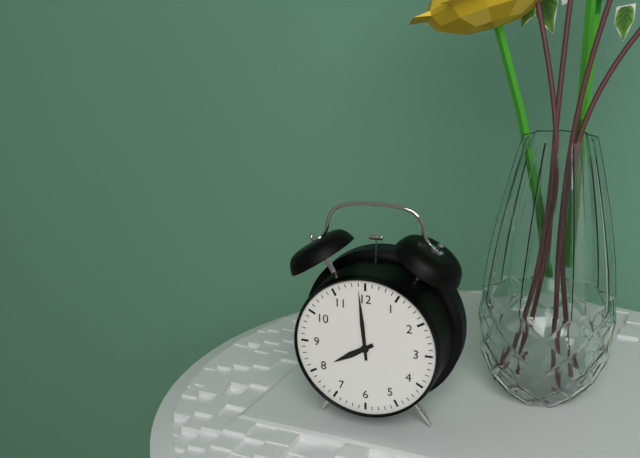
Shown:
h=7 m=59
